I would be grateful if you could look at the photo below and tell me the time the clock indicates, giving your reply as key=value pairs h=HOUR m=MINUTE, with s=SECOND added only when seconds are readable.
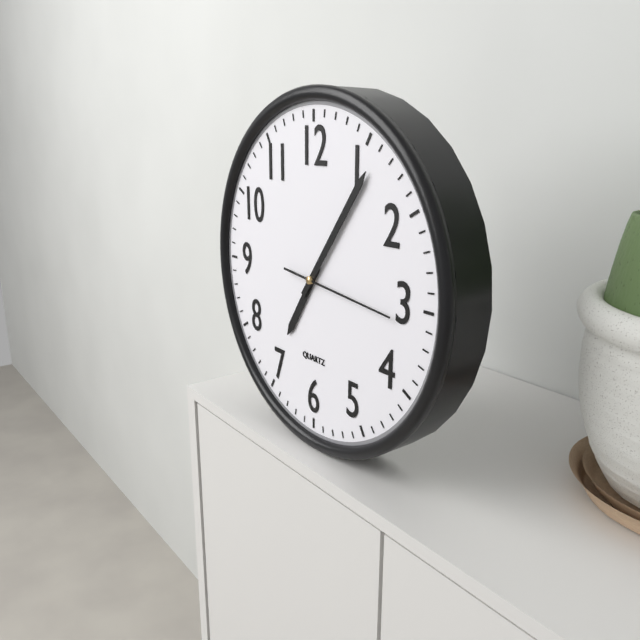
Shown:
h=7 m=6 s=16
